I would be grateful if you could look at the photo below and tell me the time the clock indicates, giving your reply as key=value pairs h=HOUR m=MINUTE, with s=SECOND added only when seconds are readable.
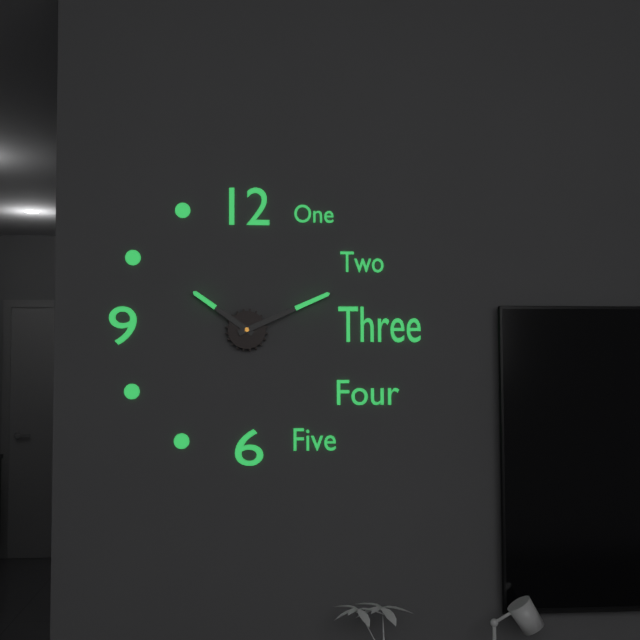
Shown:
h=10 m=11
